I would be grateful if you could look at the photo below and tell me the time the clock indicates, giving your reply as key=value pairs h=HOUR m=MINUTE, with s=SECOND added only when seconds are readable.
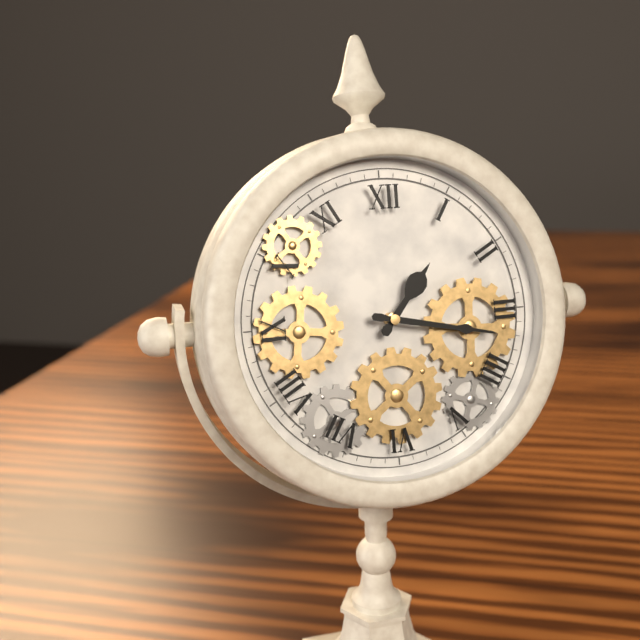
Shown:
h=1 m=17
